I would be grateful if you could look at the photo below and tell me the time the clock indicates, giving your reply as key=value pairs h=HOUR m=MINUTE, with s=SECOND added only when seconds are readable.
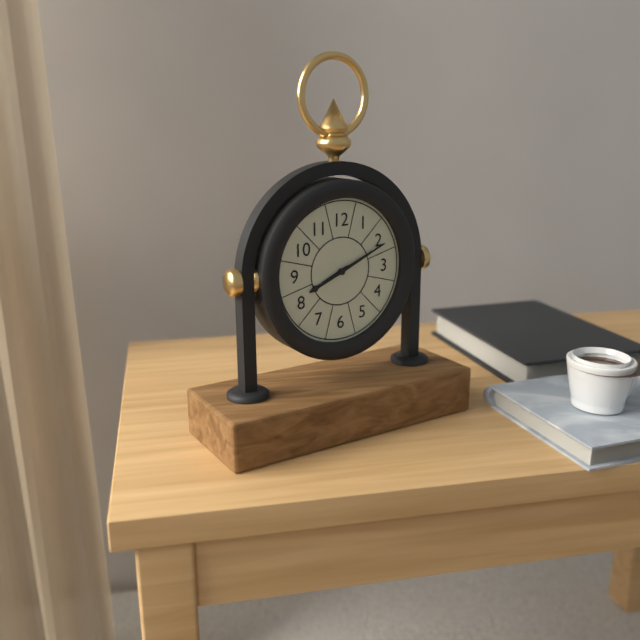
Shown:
h=8 m=11
